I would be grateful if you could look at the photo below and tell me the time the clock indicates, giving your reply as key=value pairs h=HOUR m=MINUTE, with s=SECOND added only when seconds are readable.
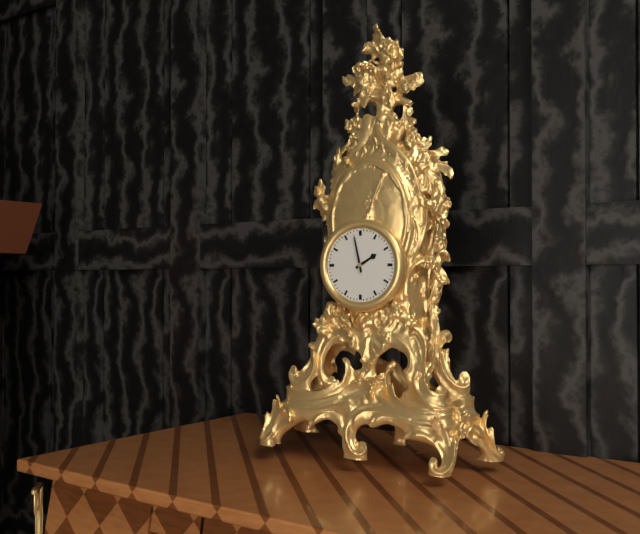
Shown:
h=1 m=58
